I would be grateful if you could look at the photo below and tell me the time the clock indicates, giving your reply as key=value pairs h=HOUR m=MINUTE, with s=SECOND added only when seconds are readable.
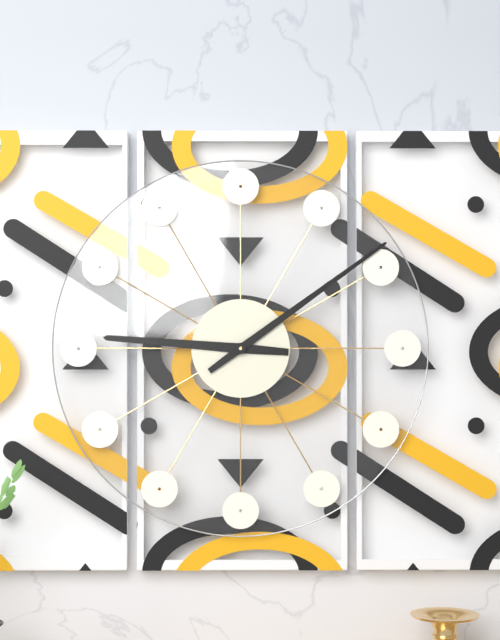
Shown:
h=9 m=9
